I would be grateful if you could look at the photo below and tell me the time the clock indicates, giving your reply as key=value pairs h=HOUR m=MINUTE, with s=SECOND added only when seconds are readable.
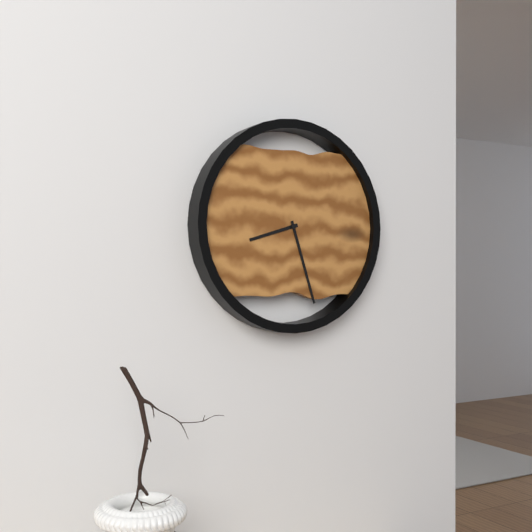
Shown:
h=8 m=27
